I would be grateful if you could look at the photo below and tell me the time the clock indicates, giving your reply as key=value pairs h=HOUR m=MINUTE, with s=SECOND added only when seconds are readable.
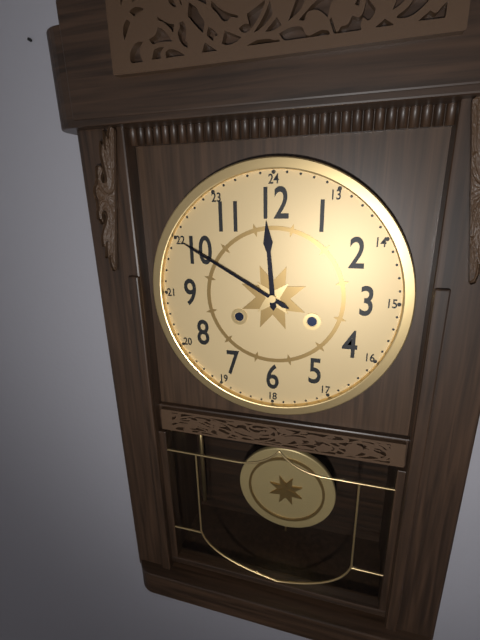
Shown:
h=11 m=50
